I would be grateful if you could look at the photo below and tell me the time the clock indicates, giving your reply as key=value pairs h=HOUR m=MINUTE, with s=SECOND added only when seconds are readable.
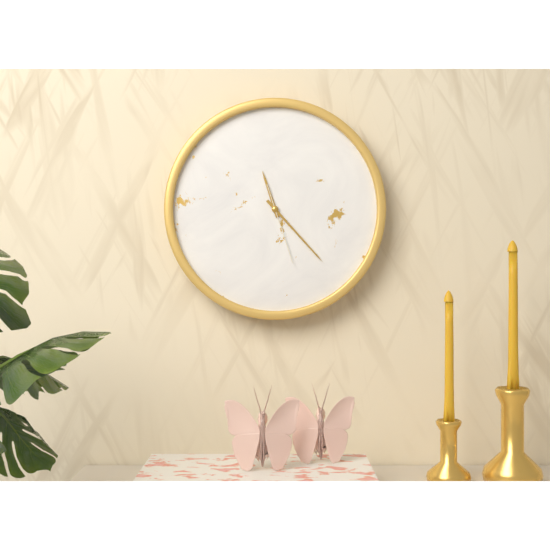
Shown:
h=11 m=23 s=27
